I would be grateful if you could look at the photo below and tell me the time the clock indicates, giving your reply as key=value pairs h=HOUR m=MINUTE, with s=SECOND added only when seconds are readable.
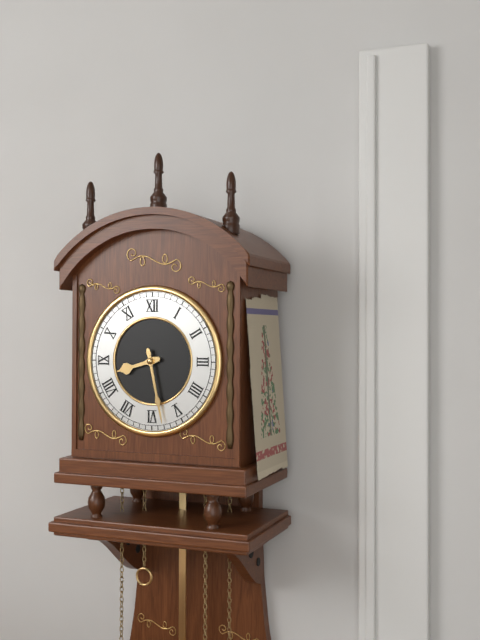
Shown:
h=8 m=28
